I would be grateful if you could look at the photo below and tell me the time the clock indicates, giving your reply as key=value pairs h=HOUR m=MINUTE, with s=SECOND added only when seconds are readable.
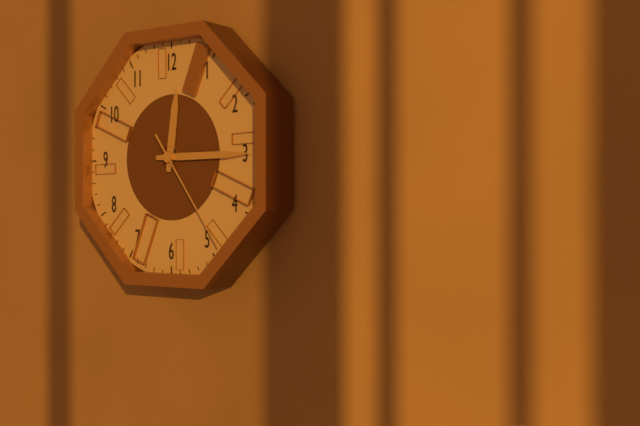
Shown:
h=12 m=15 s=24
